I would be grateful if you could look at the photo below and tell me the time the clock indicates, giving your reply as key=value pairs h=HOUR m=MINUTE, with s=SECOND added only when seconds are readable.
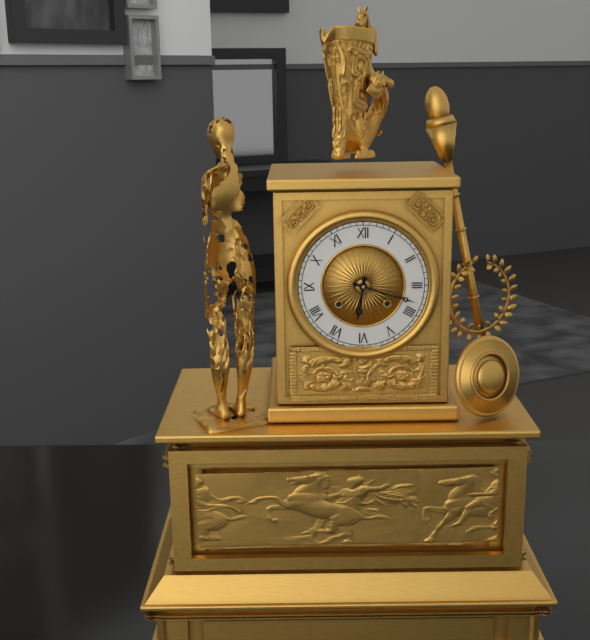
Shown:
h=6 m=18
